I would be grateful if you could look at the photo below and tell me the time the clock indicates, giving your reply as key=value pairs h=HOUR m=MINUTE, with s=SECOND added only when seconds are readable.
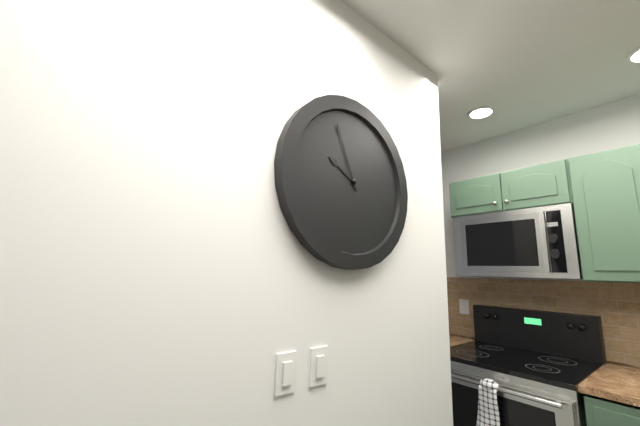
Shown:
h=9 m=56
